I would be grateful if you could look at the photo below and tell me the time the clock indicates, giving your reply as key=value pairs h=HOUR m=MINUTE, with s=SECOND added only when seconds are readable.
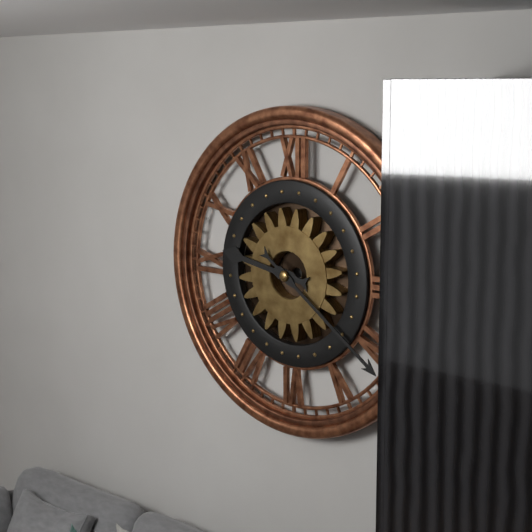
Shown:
h=9 m=21
